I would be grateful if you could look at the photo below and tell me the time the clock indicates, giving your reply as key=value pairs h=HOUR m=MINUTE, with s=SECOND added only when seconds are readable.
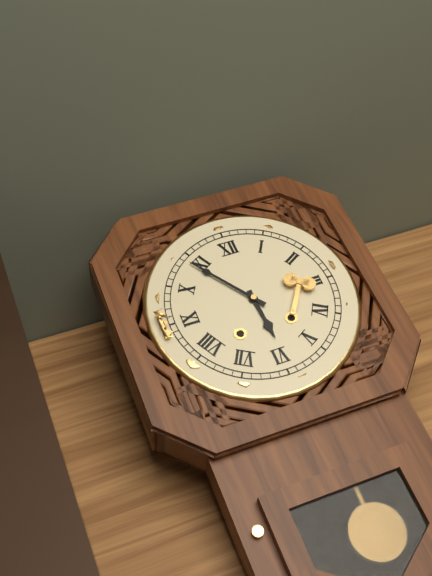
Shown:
h=5 m=54
